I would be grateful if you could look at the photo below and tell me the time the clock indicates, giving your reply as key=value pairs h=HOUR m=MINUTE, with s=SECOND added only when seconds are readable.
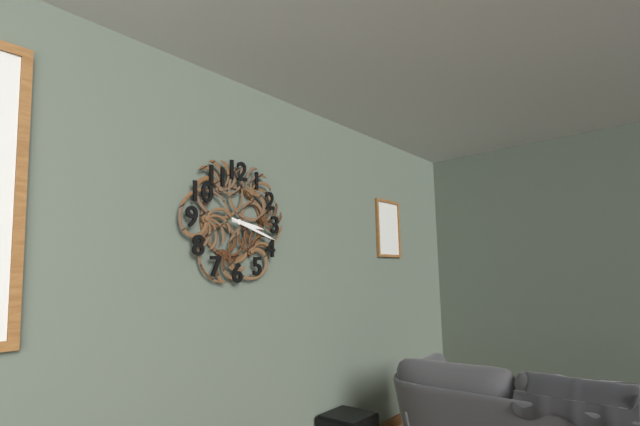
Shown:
h=3 m=18
